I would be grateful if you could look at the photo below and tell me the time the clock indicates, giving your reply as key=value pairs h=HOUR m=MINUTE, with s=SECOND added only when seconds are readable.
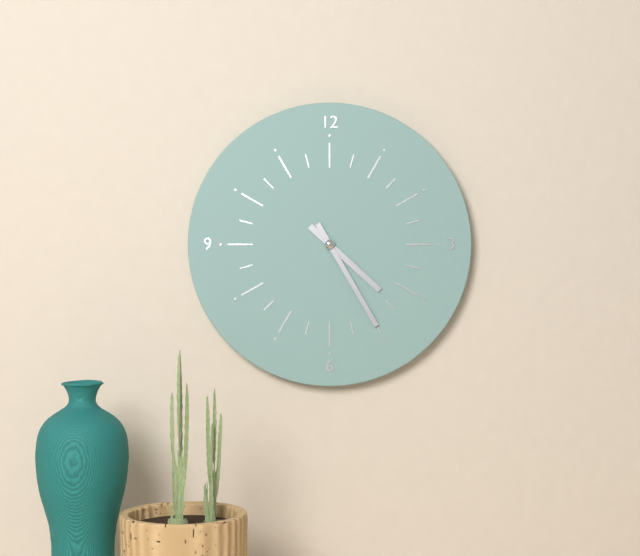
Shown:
h=4 m=25
